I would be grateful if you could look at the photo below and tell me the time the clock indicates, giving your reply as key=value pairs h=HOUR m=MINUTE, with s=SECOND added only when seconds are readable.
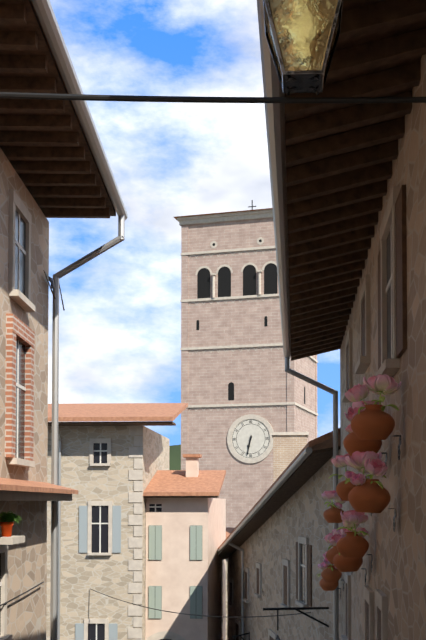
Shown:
h=6 m=32
